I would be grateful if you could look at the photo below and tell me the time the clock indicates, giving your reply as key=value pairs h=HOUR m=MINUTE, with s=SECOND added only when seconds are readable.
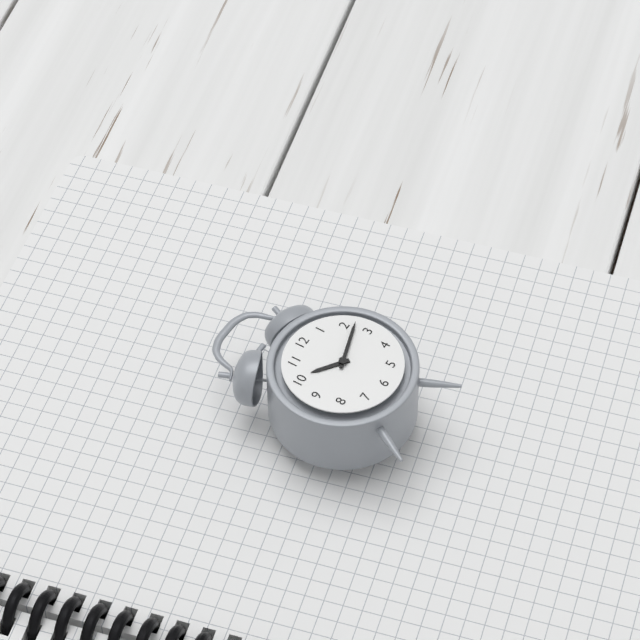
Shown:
h=10 m=12
